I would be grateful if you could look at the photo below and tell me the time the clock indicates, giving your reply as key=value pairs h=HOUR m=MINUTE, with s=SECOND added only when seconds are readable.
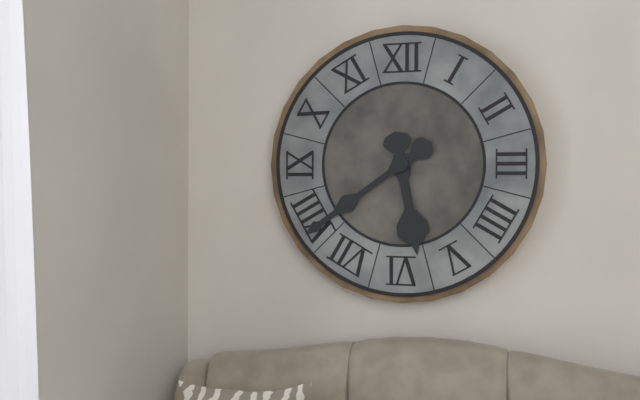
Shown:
h=5 m=39
